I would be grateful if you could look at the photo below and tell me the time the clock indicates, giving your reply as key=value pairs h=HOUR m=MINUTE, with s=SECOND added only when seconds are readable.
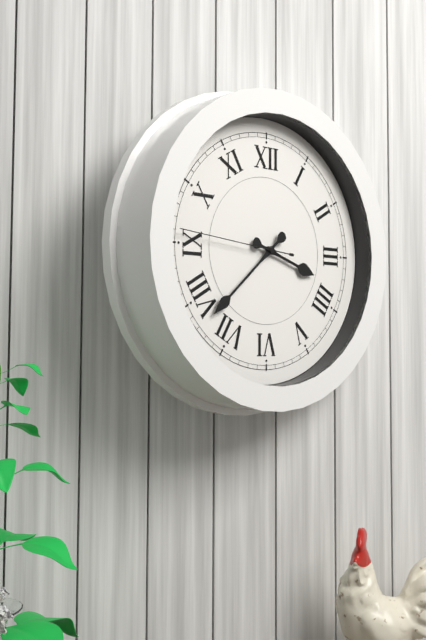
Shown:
h=3 m=38 s=46
